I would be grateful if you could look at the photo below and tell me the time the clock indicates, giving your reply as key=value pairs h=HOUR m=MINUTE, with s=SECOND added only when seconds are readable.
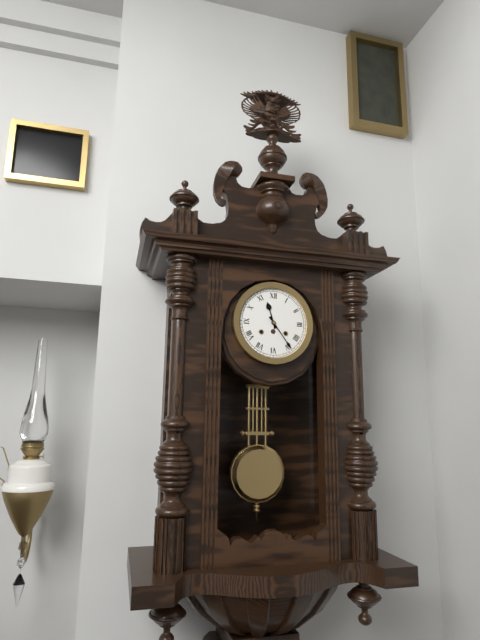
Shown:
h=11 m=24
